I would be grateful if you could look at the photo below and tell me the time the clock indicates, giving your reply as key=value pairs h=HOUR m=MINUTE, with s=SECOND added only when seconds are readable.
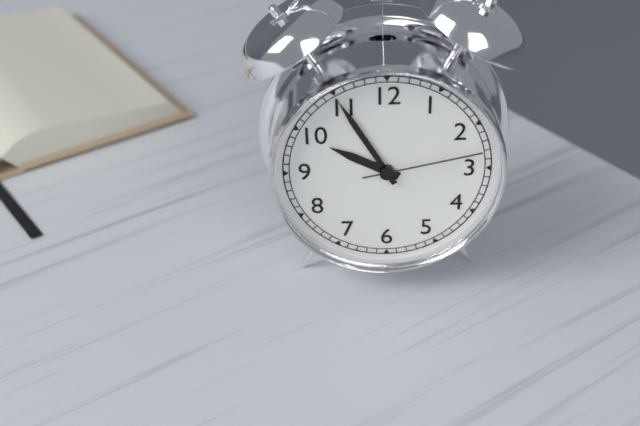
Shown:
h=9 m=55 s=13
